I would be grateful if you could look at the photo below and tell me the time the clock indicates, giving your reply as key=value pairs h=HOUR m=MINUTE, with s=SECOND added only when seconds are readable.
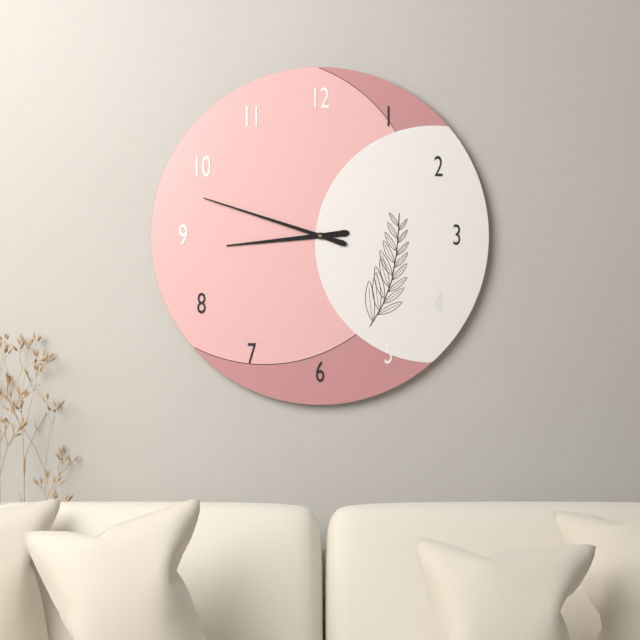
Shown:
h=8 m=48
